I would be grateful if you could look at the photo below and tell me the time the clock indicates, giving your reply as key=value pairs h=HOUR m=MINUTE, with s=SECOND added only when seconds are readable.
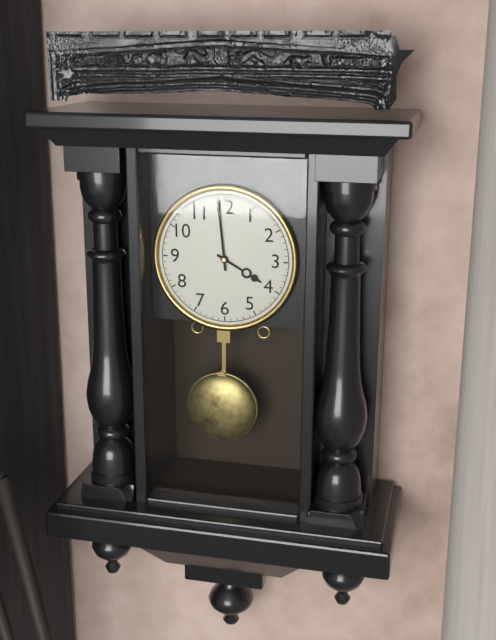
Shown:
h=3 m=59
